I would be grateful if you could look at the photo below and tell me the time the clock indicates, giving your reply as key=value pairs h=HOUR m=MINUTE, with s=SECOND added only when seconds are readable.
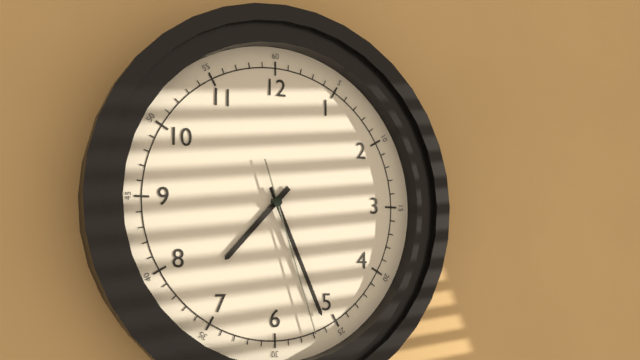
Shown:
h=7 m=26 s=27
